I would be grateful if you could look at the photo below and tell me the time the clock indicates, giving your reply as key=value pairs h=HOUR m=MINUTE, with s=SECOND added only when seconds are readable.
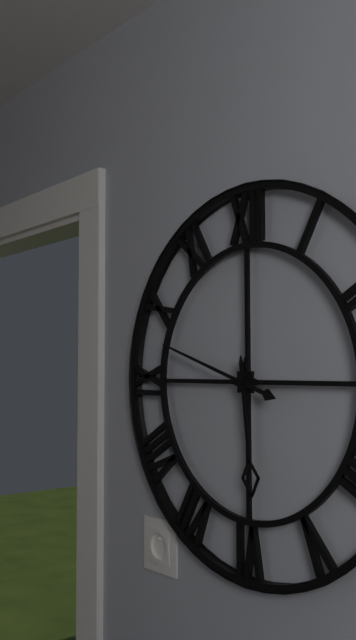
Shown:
h=5 m=48
